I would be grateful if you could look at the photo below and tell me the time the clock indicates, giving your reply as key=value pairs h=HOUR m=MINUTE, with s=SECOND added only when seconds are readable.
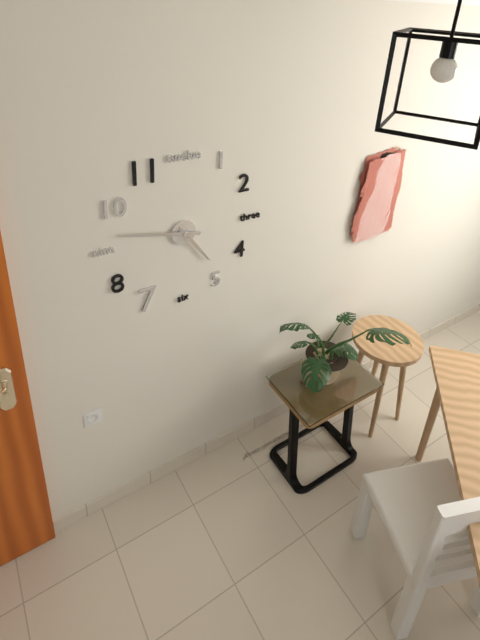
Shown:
h=4 m=47
